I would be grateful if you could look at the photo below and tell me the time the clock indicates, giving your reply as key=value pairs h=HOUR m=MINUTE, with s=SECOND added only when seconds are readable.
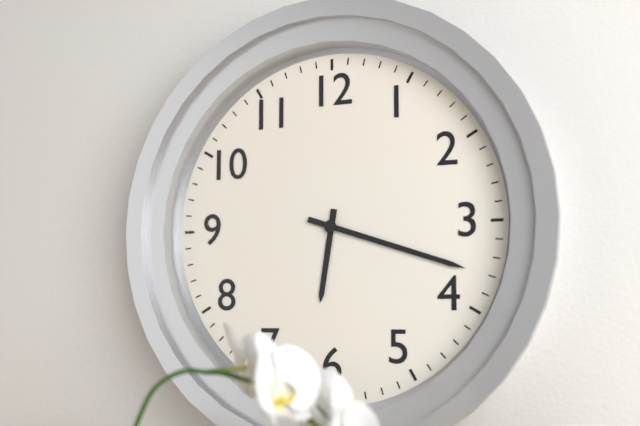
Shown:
h=6 m=18
